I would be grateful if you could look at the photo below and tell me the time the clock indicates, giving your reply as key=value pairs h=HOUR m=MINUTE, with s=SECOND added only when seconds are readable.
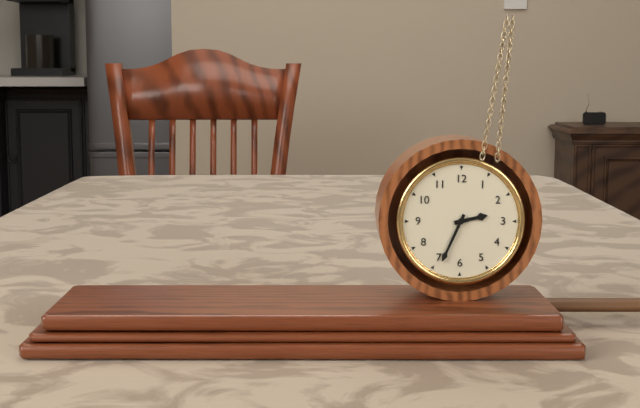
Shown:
h=2 m=34
